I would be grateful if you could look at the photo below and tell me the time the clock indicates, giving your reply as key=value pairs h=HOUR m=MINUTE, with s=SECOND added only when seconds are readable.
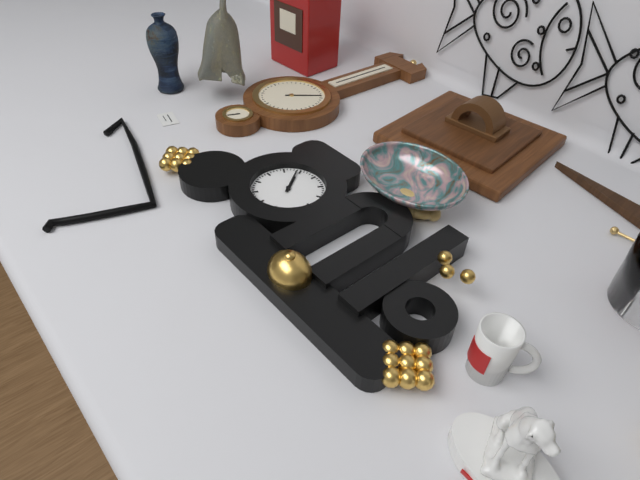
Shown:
h=10 m=54
